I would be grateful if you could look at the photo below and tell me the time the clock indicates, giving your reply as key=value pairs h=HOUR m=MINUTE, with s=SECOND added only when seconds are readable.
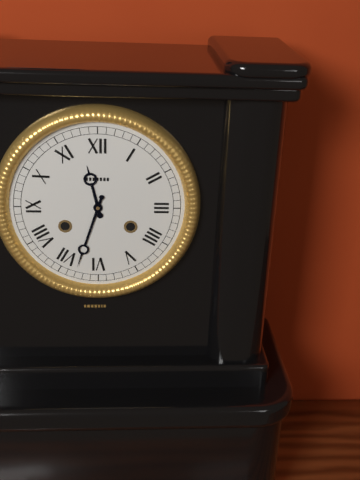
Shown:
h=11 m=33
